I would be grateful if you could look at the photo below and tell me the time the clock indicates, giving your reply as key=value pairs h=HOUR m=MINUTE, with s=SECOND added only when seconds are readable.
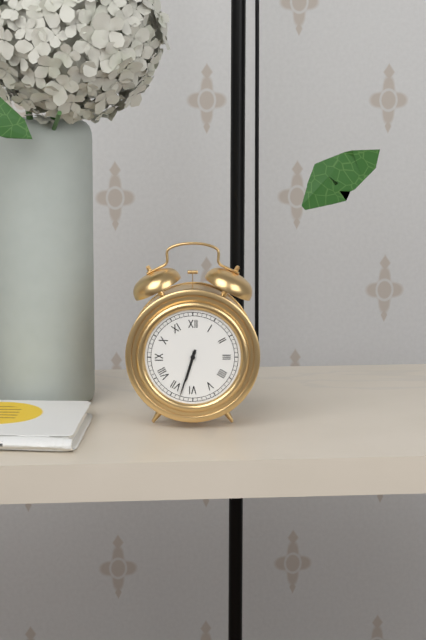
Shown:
h=6 m=33
